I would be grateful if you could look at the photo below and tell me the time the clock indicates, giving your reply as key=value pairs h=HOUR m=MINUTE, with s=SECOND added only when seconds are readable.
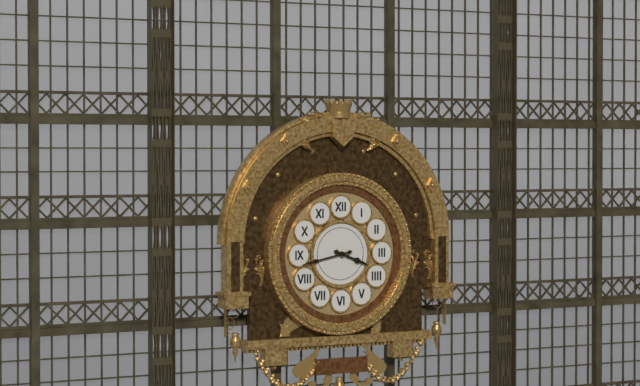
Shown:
h=3 m=43
